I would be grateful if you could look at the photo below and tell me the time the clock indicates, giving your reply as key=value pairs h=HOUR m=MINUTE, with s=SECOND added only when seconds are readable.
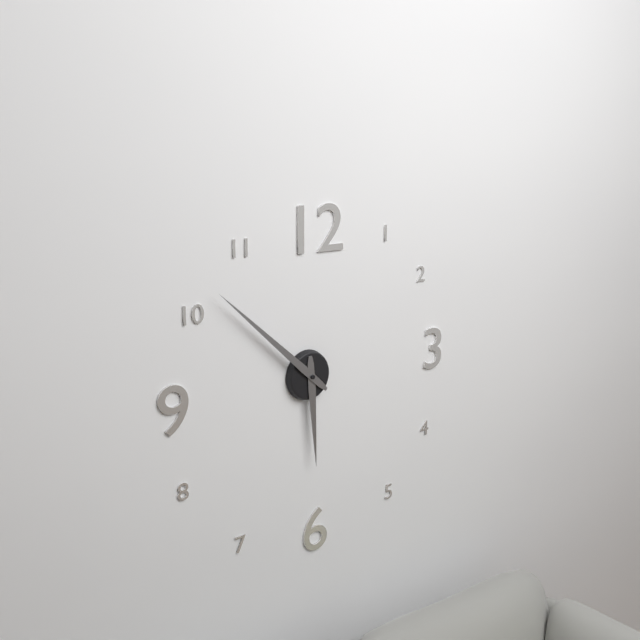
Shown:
h=5 m=52
